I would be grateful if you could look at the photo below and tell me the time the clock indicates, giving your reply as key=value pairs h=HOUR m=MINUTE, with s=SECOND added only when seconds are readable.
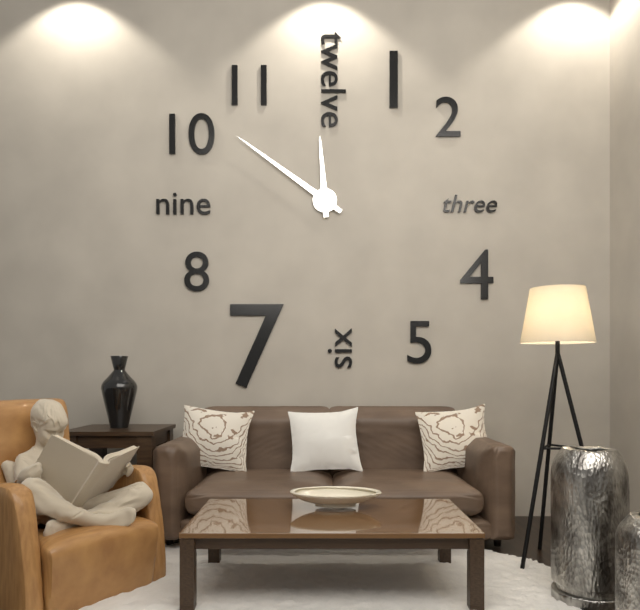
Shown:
h=11 m=51
